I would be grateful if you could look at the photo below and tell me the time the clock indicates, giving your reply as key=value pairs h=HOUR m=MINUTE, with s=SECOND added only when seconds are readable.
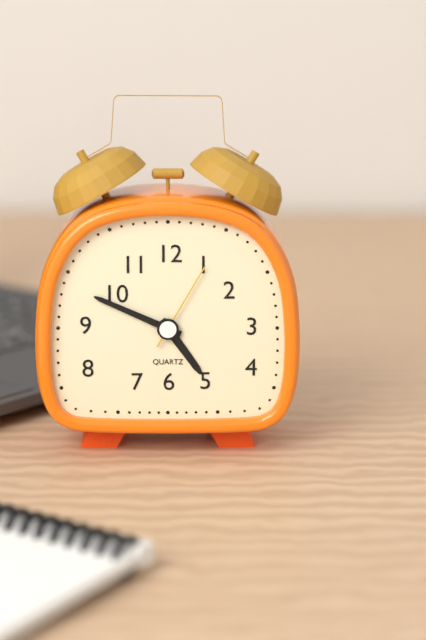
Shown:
h=4 m=49 s=5
